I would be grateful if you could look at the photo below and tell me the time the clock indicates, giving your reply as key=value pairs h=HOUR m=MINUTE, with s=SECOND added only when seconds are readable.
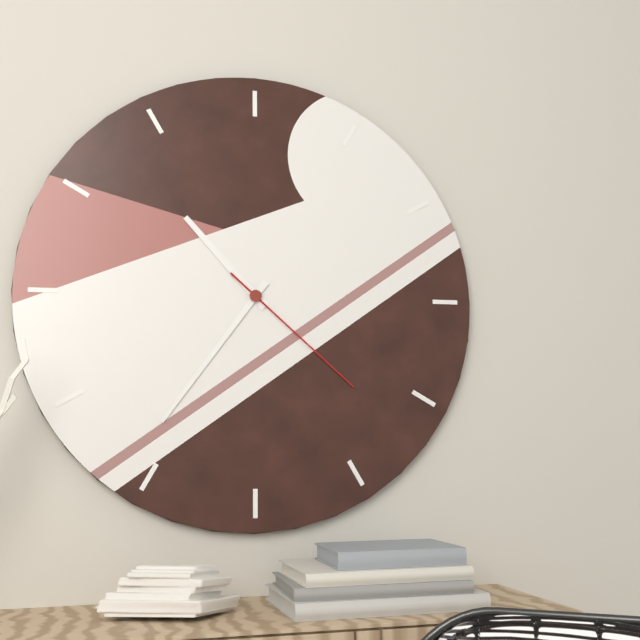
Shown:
h=10 m=36 s=22
